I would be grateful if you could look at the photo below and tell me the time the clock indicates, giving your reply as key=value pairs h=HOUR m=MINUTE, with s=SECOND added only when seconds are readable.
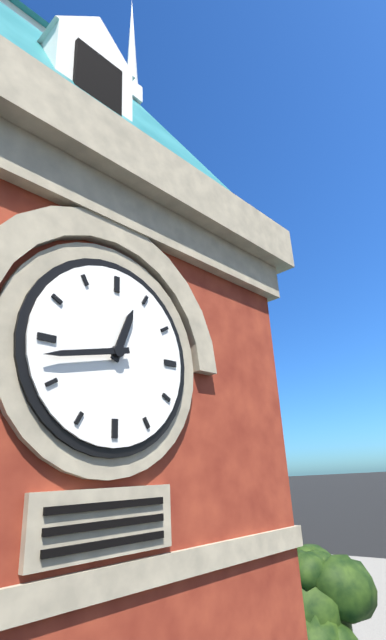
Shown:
h=12 m=43
